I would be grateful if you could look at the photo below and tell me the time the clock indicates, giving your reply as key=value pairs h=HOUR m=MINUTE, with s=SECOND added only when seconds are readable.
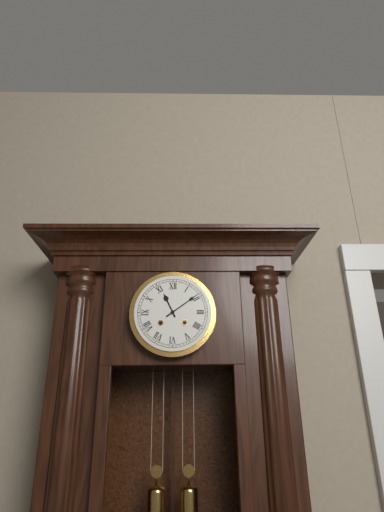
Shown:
h=11 m=9
